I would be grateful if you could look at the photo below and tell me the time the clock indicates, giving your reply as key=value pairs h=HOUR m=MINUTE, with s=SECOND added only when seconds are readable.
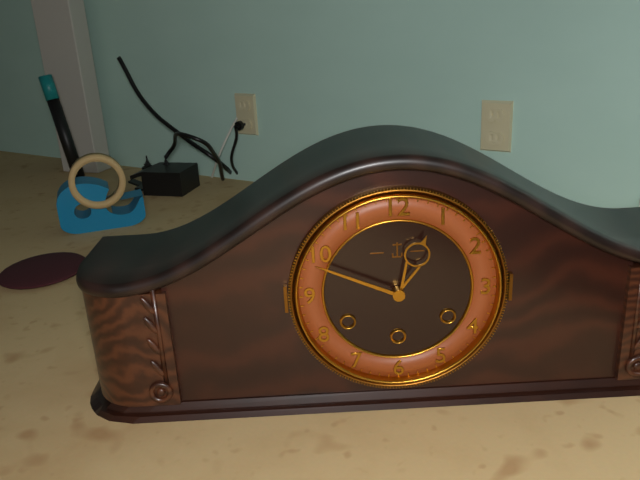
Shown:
h=12 m=49
